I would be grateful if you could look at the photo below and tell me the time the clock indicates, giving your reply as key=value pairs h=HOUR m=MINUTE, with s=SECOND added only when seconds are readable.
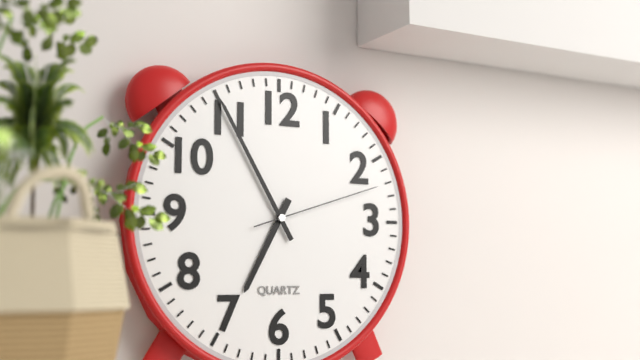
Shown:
h=6 m=55 s=12
